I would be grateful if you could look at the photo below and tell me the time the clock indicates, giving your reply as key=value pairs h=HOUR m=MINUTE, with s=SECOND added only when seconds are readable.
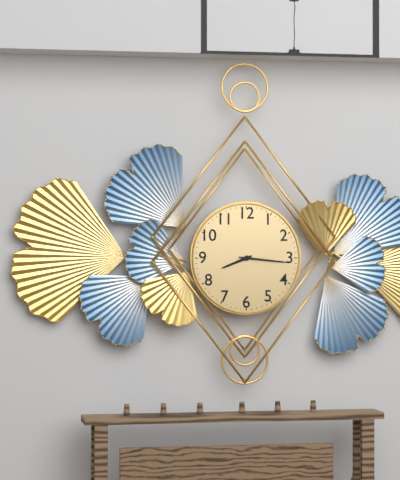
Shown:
h=8 m=16
